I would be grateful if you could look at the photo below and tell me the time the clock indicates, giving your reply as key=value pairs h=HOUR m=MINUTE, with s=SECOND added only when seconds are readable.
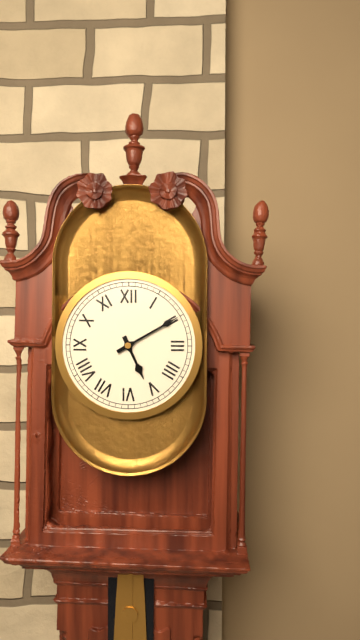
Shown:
h=5 m=10
